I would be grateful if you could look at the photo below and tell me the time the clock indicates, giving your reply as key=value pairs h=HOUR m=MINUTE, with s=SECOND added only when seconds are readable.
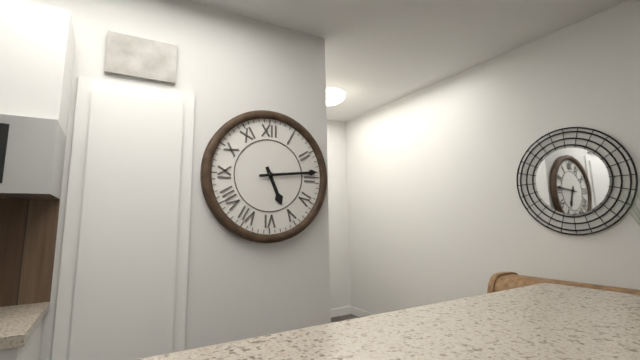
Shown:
h=5 m=14
